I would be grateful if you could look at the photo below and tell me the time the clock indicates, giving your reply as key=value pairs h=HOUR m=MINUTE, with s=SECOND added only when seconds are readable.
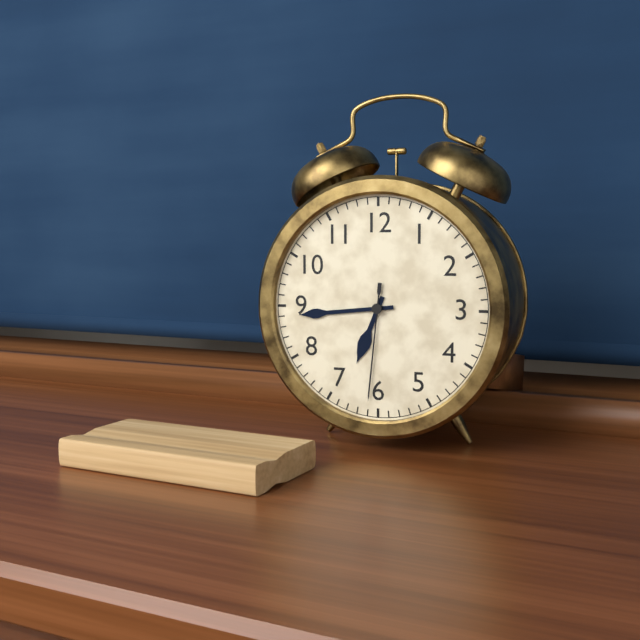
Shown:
h=6 m=44 s=31
